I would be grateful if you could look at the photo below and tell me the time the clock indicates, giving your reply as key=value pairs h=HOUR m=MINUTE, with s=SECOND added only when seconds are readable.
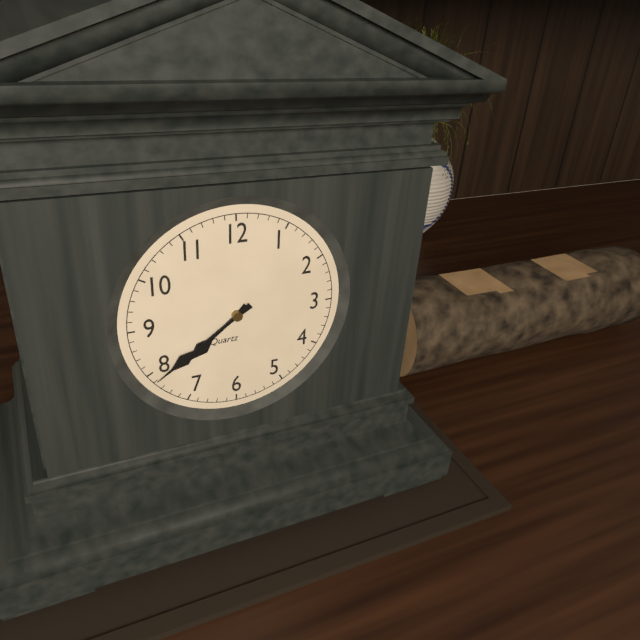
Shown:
h=7 m=39
